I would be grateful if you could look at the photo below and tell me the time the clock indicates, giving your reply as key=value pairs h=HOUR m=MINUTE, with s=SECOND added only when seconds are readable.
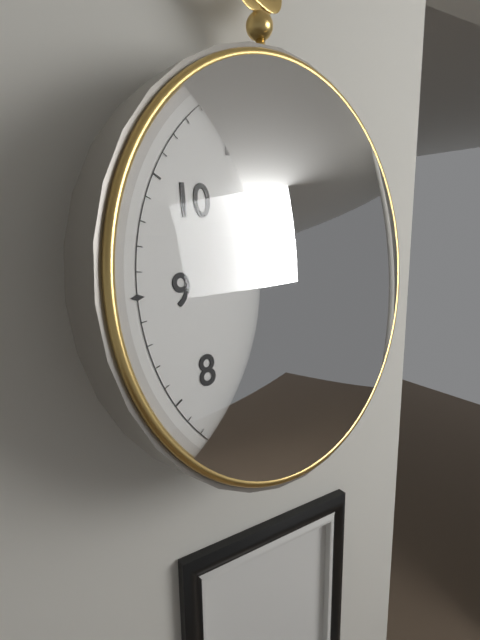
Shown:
h=1 m=34
